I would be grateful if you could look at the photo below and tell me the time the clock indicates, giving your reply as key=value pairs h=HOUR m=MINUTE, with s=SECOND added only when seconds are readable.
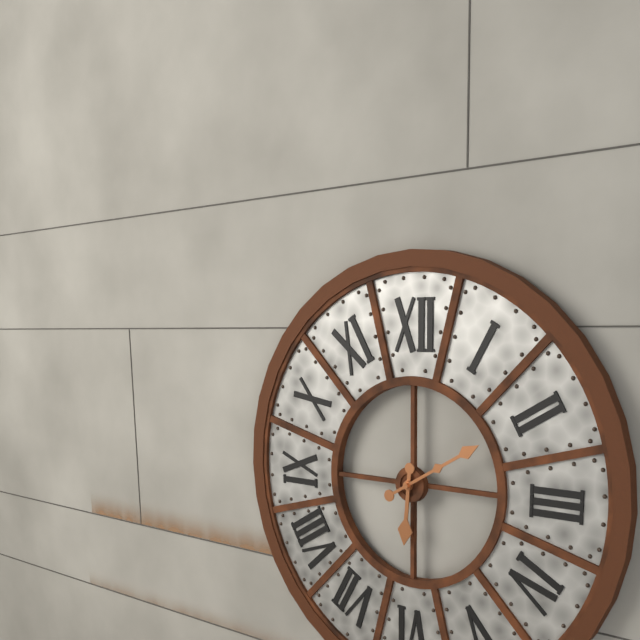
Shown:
h=6 m=10
